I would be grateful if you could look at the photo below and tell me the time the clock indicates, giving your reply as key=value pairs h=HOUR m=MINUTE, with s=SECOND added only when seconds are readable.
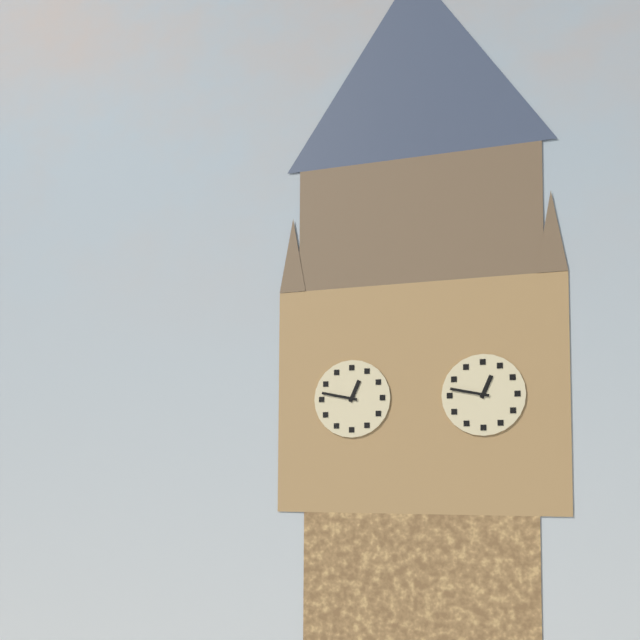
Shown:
h=12 m=47
